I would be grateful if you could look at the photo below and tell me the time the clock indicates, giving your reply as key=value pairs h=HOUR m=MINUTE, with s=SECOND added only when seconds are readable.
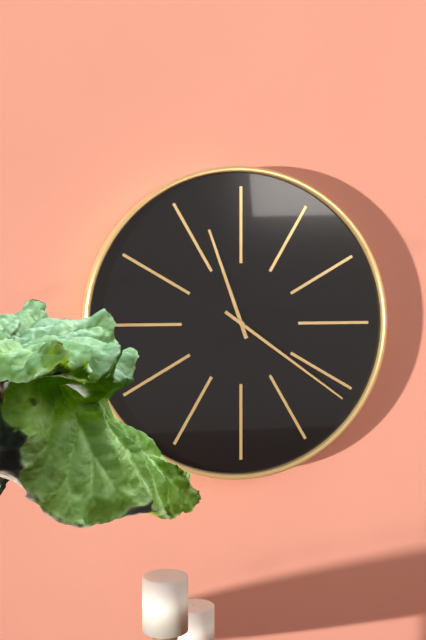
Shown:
h=11 m=21
